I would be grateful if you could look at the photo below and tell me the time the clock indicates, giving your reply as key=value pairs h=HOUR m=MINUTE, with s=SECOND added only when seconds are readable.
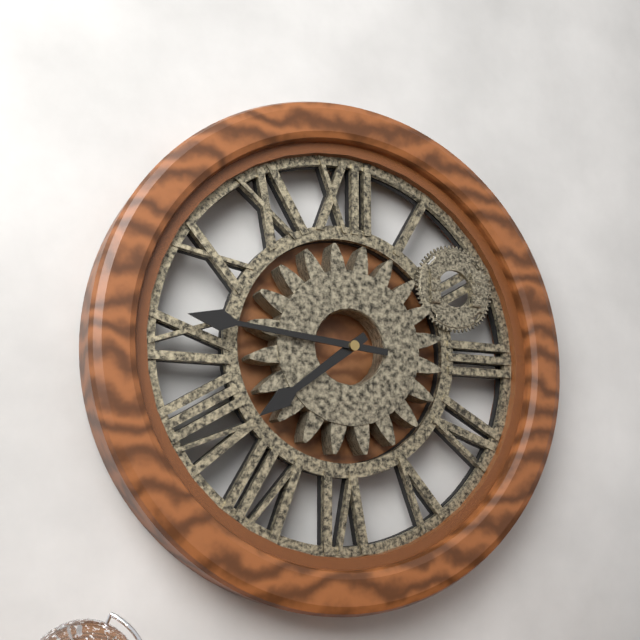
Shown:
h=7 m=46
